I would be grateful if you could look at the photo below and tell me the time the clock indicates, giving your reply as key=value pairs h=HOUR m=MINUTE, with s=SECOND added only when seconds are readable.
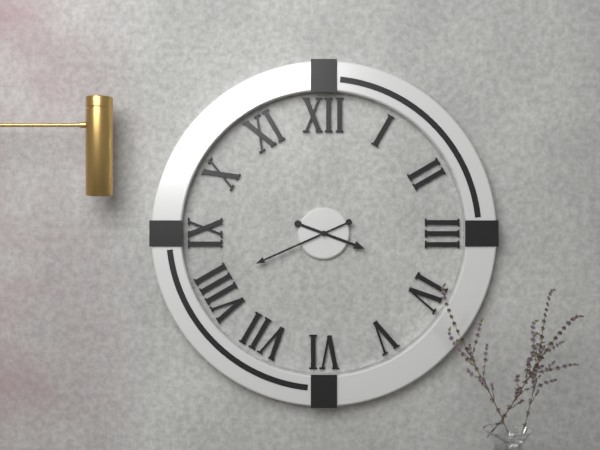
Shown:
h=3 m=41
